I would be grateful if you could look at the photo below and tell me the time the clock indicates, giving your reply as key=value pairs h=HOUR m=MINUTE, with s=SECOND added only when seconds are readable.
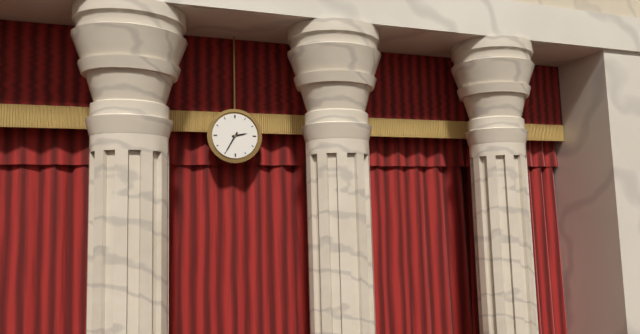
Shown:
h=2 m=35
